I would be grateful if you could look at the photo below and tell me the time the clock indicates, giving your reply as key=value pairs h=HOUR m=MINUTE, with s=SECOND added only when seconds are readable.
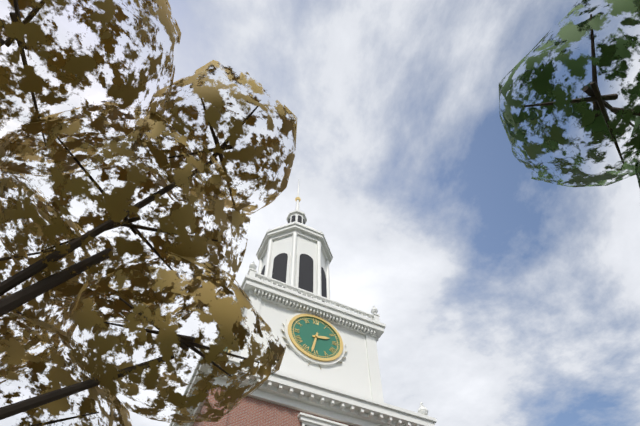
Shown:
h=2 m=32
